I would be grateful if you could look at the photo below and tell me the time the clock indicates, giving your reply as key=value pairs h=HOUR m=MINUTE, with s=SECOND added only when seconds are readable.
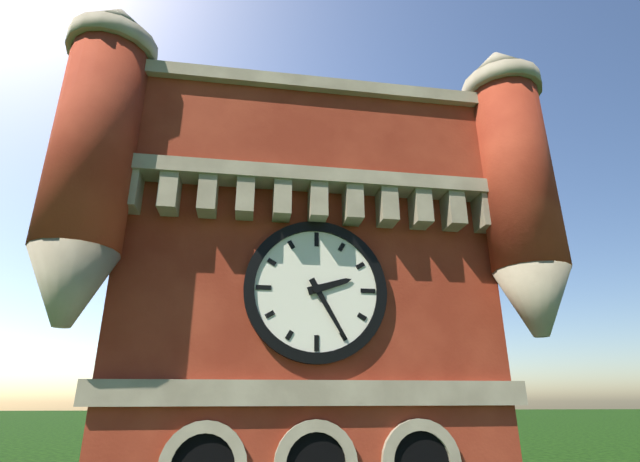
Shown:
h=2 m=25
